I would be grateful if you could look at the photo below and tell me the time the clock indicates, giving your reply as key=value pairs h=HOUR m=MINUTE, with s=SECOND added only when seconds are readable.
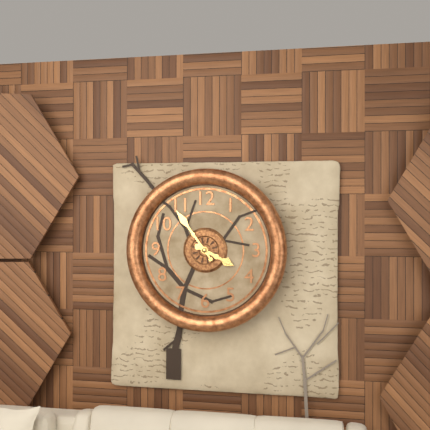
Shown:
h=3 m=54
